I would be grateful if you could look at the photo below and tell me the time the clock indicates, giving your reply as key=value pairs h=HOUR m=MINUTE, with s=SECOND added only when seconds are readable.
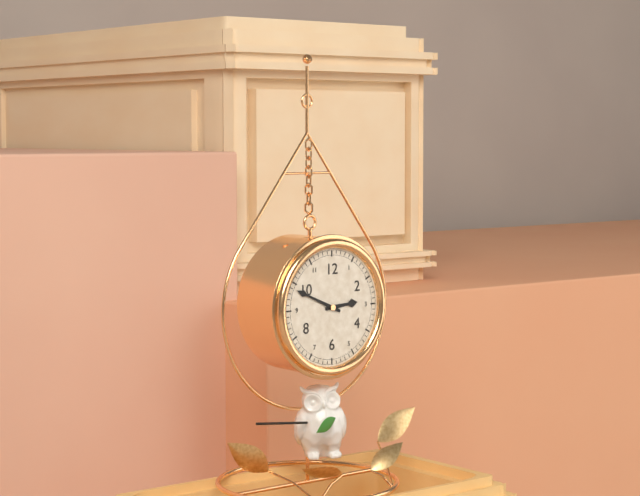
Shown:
h=2 m=49
